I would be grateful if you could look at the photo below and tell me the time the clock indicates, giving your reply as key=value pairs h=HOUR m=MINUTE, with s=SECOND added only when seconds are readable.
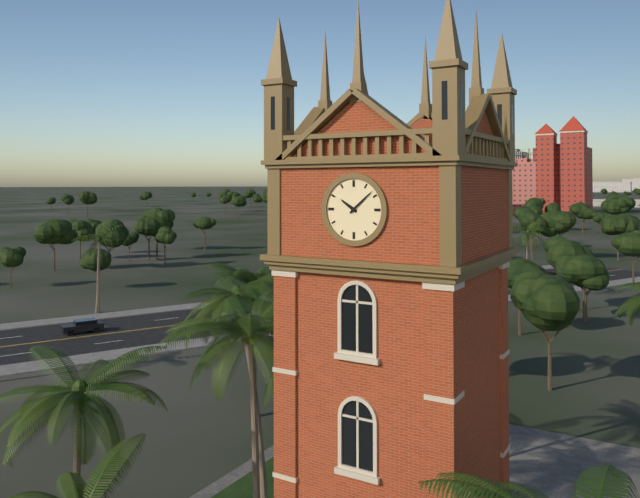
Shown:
h=10 m=8
